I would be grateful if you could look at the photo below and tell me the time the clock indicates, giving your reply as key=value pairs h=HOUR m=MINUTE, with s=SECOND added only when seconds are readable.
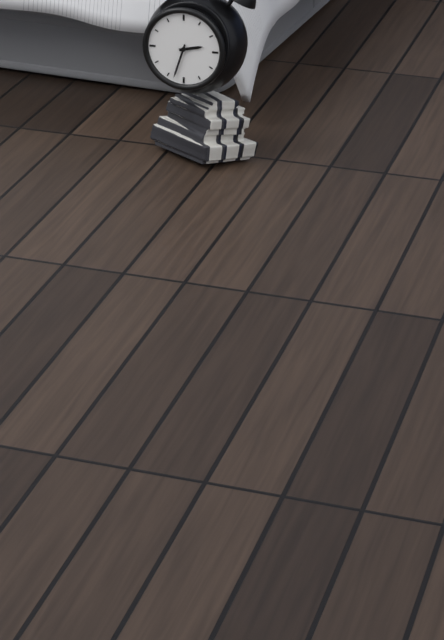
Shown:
h=2 m=33
